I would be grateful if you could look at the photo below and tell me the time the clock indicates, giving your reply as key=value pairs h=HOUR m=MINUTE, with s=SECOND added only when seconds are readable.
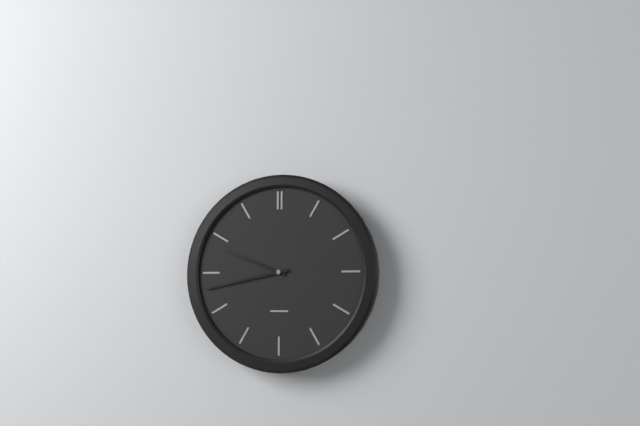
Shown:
h=9 m=43
